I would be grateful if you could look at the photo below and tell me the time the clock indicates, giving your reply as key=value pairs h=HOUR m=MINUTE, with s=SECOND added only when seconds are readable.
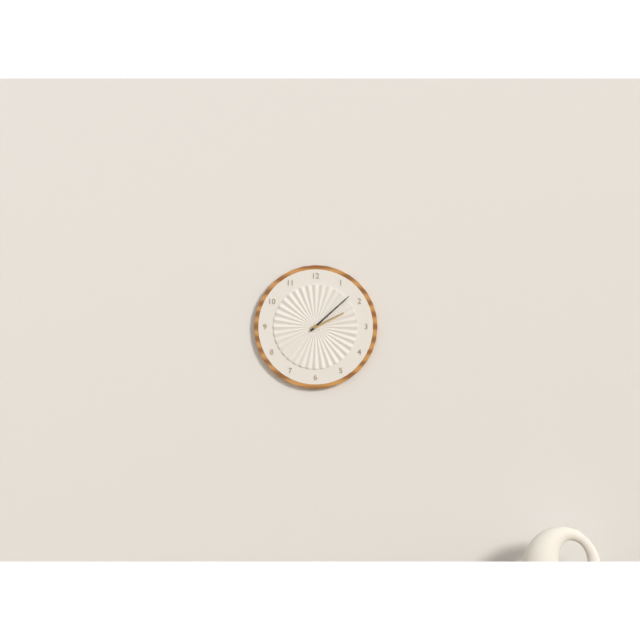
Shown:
h=2 m=8
